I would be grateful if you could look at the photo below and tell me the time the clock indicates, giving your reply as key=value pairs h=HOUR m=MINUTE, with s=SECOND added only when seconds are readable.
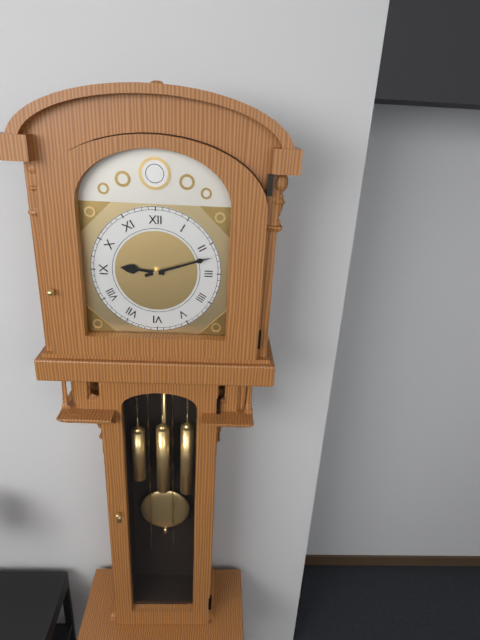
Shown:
h=9 m=12
